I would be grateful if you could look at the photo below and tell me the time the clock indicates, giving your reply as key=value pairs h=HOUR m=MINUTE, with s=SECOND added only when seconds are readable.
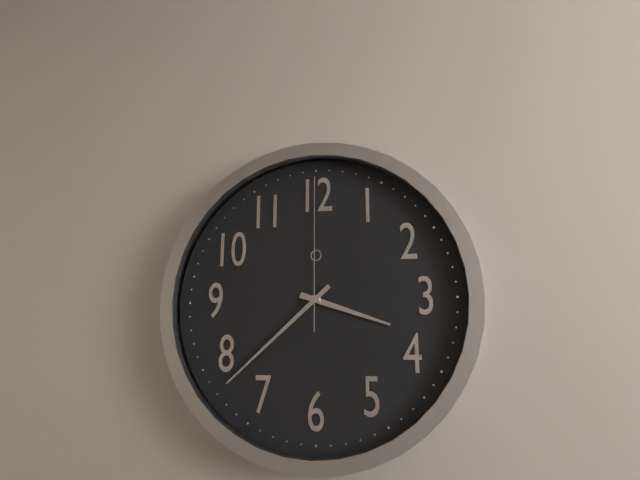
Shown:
h=3 m=38 s=0
